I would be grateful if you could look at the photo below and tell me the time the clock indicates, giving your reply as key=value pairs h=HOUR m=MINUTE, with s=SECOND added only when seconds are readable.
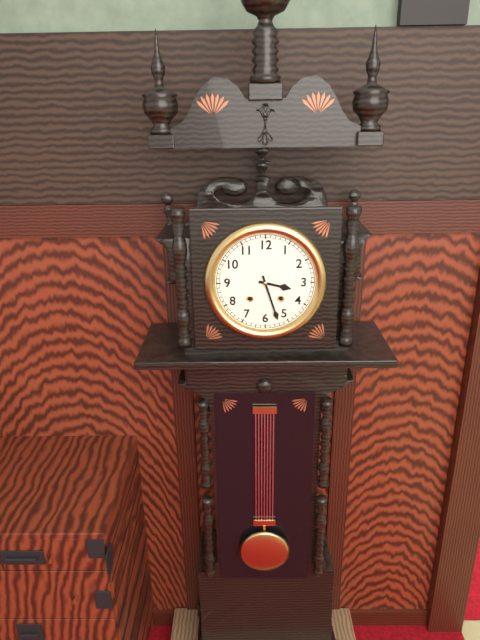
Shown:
h=3 m=27
